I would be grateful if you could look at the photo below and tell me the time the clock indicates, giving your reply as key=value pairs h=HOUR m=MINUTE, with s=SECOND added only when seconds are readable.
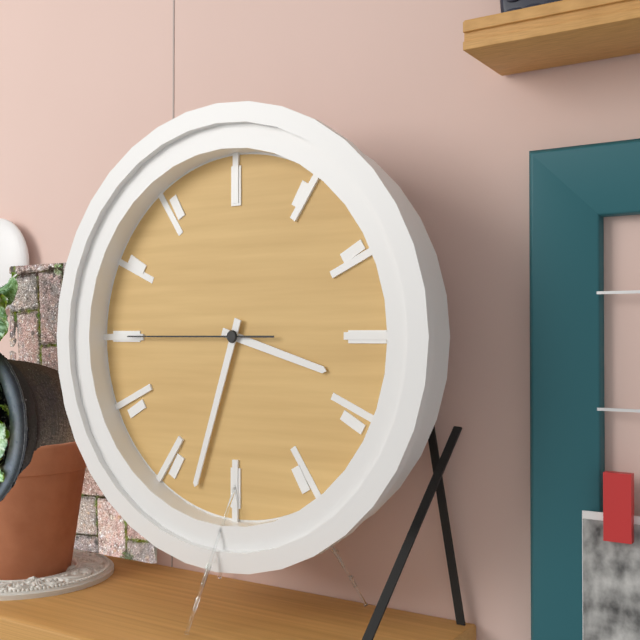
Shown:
h=3 m=33 s=45
